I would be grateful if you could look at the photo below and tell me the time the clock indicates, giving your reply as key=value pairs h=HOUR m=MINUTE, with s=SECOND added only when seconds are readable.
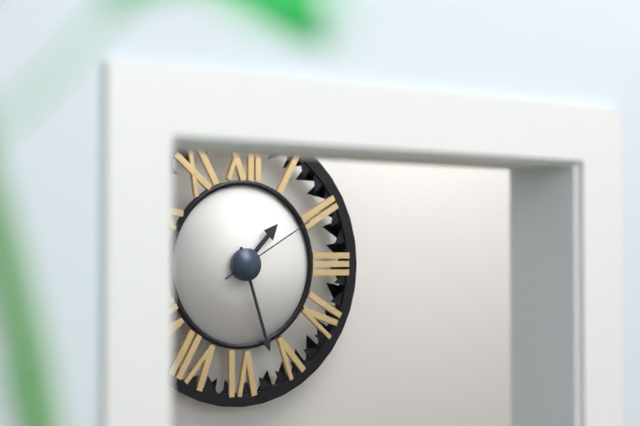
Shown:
h=1 m=27 s=10
